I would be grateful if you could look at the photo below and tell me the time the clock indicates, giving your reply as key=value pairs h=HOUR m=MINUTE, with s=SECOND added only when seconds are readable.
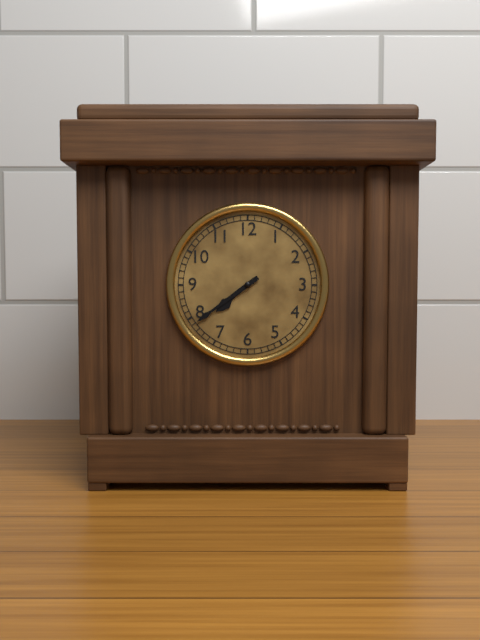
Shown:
h=7 m=39
